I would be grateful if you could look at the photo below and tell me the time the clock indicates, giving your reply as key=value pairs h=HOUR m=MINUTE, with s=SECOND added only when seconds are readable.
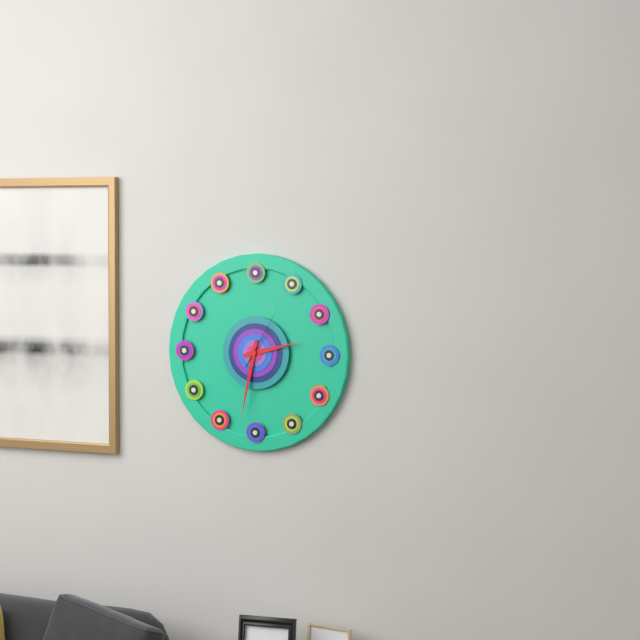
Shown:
h=2 m=32 s=5
